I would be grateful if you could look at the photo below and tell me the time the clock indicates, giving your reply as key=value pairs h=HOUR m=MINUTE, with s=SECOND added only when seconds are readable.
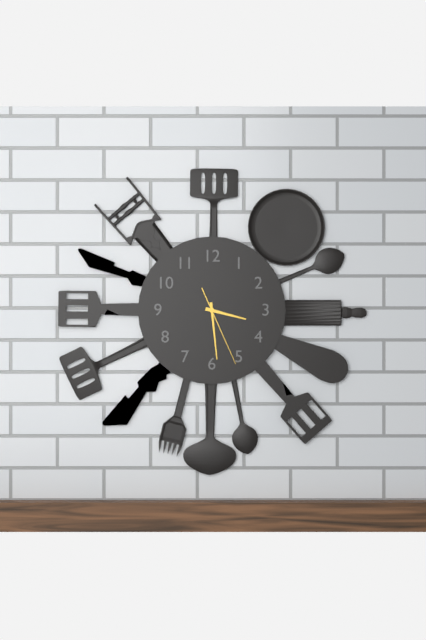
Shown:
h=3 m=29 s=26
